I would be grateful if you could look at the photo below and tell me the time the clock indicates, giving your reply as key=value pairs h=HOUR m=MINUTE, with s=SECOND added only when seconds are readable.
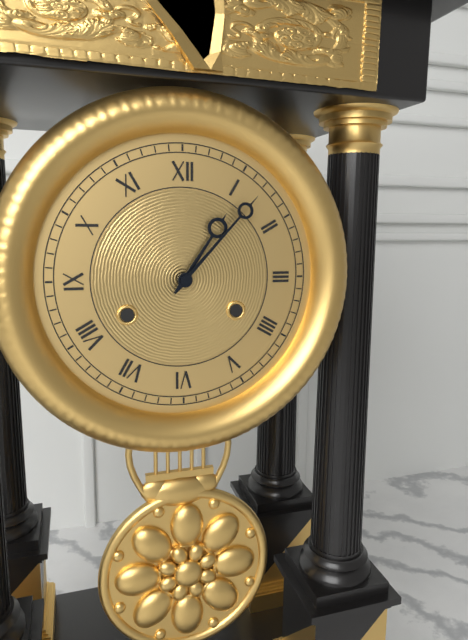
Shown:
h=1 m=7
